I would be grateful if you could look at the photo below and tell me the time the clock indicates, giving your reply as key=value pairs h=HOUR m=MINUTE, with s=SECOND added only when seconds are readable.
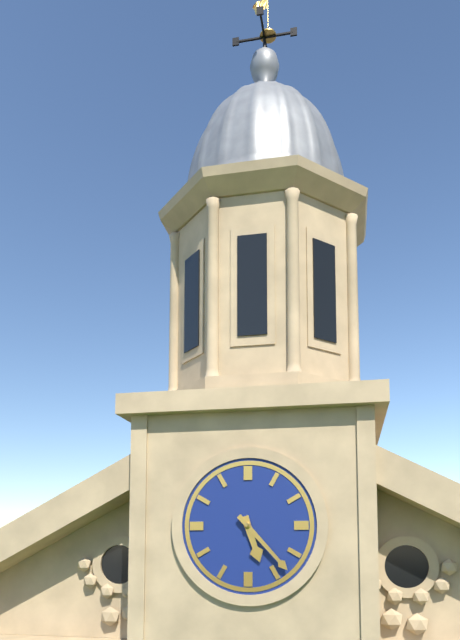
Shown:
h=5 m=23
